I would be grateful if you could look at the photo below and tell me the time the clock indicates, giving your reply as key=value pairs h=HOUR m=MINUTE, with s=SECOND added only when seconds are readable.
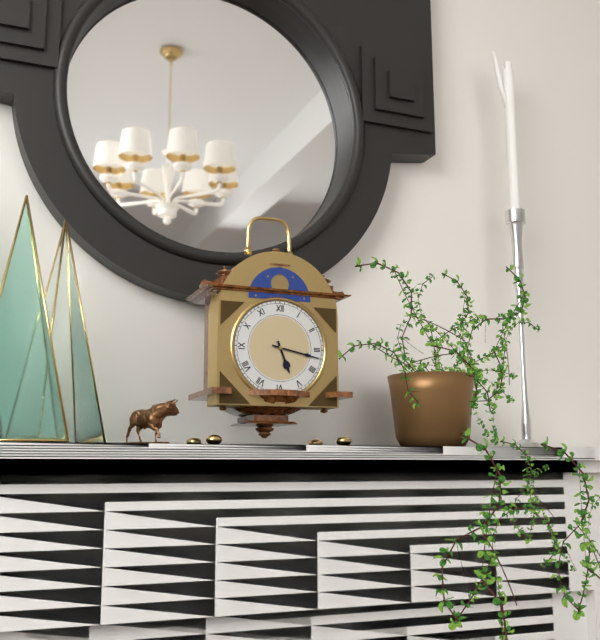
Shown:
h=5 m=17
